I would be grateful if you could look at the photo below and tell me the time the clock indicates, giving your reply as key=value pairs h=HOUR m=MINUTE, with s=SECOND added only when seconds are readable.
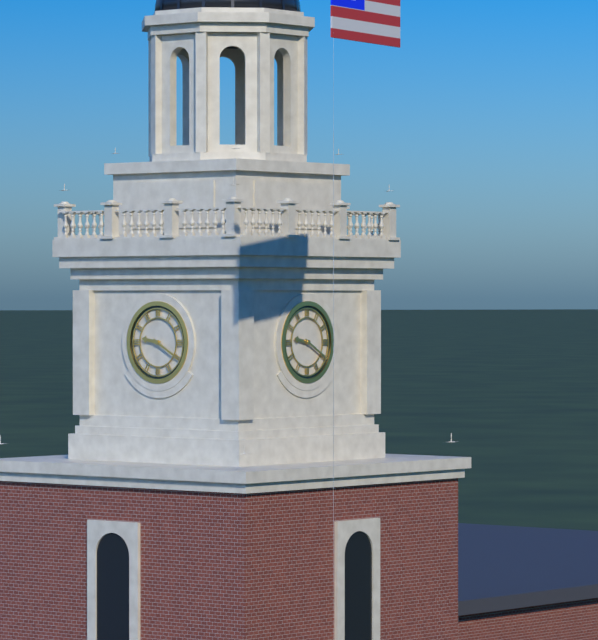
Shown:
h=9 m=20
